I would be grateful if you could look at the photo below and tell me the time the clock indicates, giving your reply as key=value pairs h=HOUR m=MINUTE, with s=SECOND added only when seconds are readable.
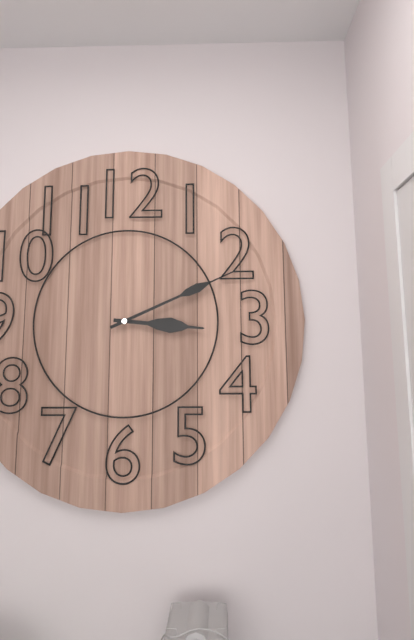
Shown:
h=3 m=11
